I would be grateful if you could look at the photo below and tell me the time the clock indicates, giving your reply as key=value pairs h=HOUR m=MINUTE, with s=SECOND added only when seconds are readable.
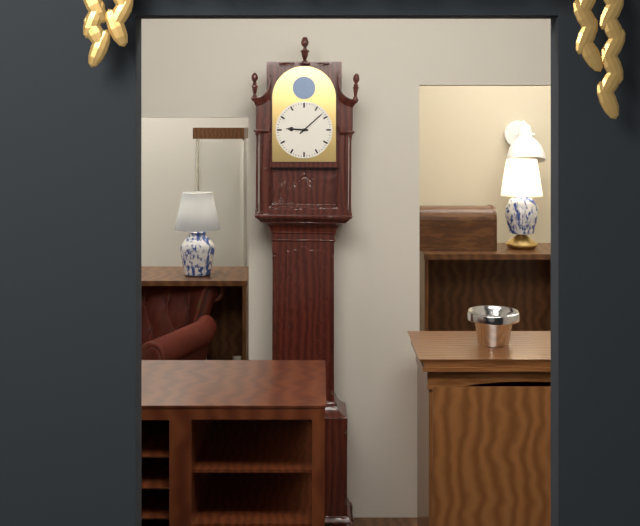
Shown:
h=9 m=8
